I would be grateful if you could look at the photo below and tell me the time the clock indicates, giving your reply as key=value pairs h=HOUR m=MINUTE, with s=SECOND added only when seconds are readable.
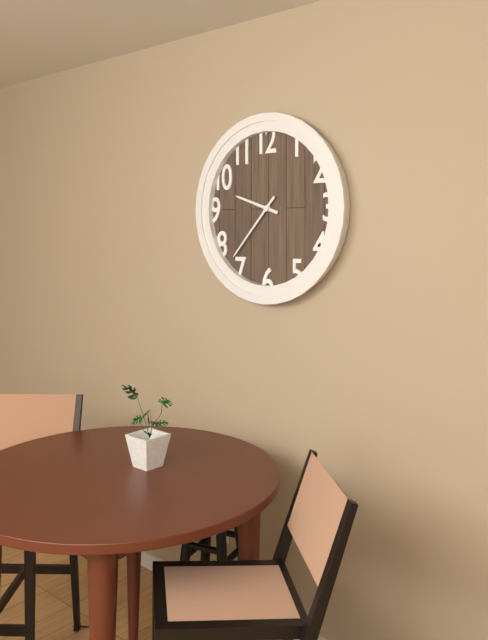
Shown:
h=9 m=37
